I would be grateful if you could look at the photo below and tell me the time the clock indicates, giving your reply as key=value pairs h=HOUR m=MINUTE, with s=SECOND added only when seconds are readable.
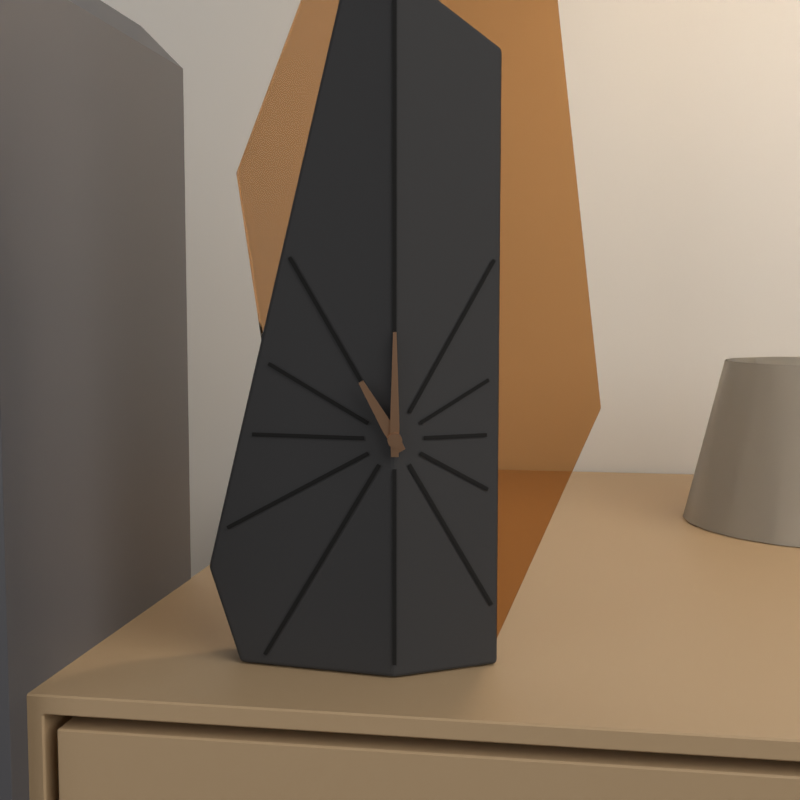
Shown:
h=11 m=0
